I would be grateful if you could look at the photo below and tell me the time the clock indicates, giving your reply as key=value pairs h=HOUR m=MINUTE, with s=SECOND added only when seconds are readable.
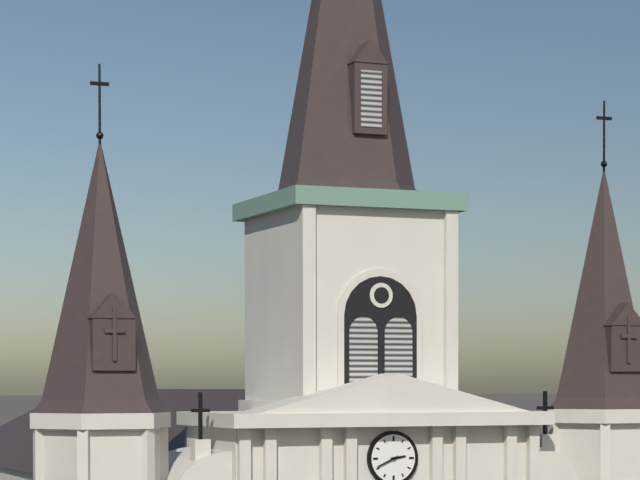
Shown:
h=2 m=41
